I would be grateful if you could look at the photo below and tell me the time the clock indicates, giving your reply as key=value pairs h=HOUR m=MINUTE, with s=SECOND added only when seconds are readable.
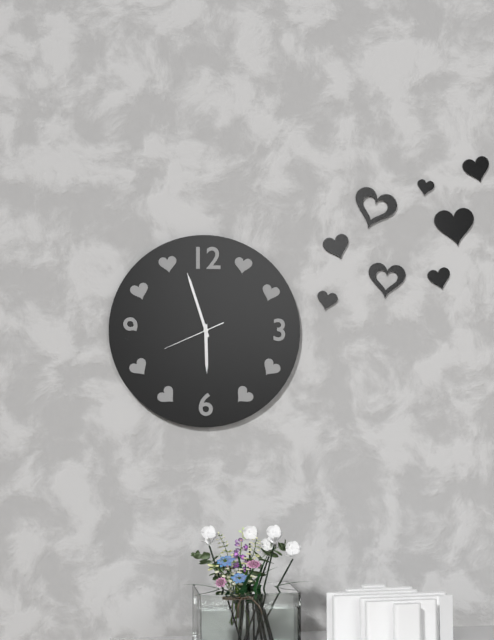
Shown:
h=5 m=57 s=41
